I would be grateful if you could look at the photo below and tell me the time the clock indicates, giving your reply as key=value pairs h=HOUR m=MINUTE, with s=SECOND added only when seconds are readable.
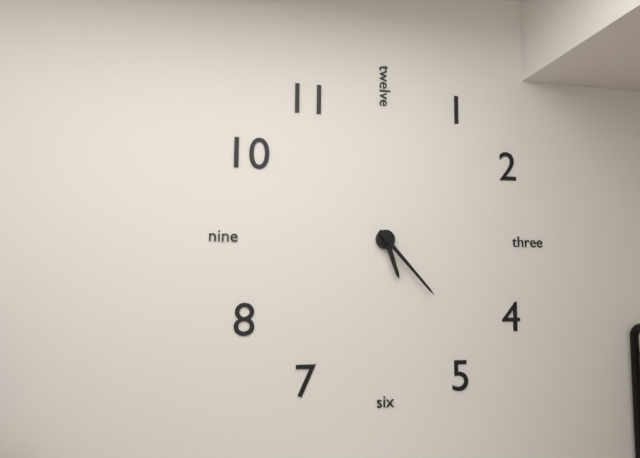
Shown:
h=5 m=23
